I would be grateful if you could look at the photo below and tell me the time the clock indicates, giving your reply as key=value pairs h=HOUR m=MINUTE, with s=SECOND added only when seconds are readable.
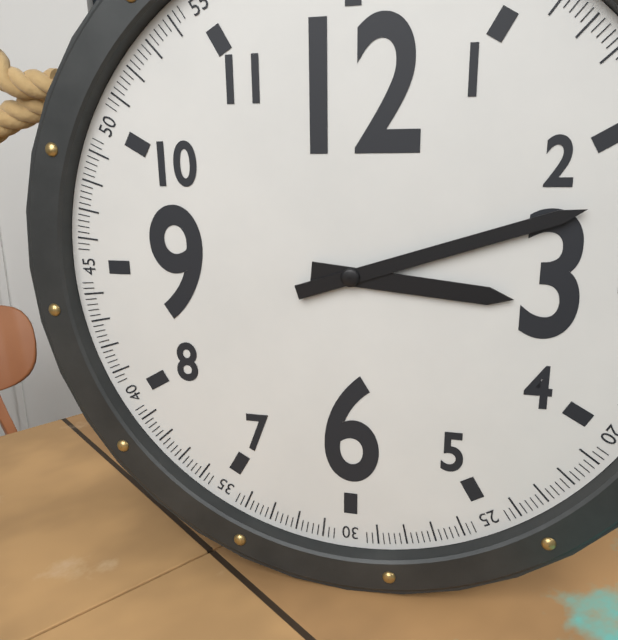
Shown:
h=3 m=12
